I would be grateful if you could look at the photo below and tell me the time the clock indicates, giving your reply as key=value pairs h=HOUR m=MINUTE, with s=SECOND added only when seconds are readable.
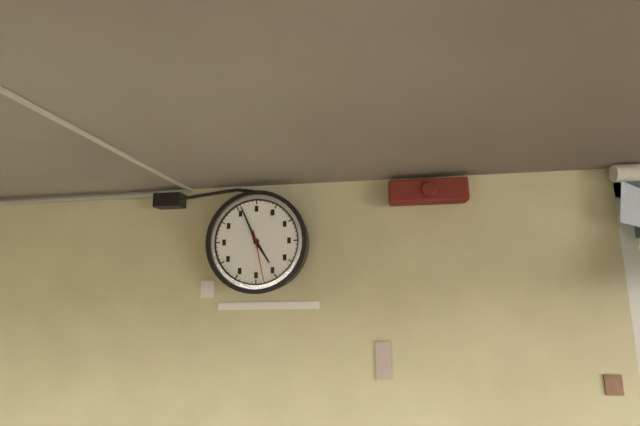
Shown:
h=4 m=56 s=28
